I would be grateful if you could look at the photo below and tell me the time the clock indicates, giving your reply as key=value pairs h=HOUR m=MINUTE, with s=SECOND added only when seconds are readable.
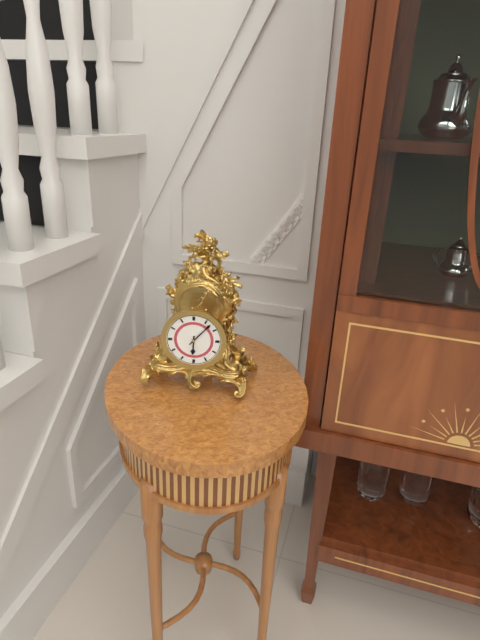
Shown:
h=6 m=7
